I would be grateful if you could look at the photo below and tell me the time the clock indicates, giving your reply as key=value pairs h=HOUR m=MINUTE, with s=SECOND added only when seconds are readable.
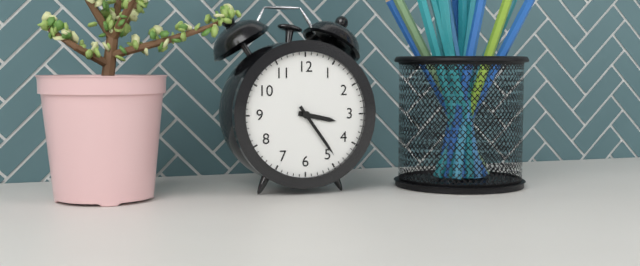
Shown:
h=3 m=24
